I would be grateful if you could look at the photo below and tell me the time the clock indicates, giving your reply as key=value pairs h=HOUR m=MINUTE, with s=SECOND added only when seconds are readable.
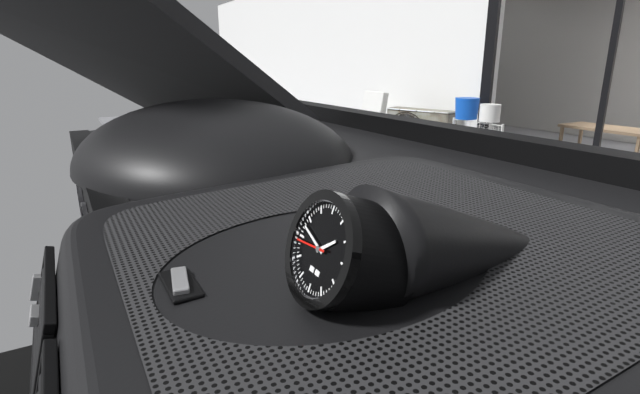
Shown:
h=1 m=48
